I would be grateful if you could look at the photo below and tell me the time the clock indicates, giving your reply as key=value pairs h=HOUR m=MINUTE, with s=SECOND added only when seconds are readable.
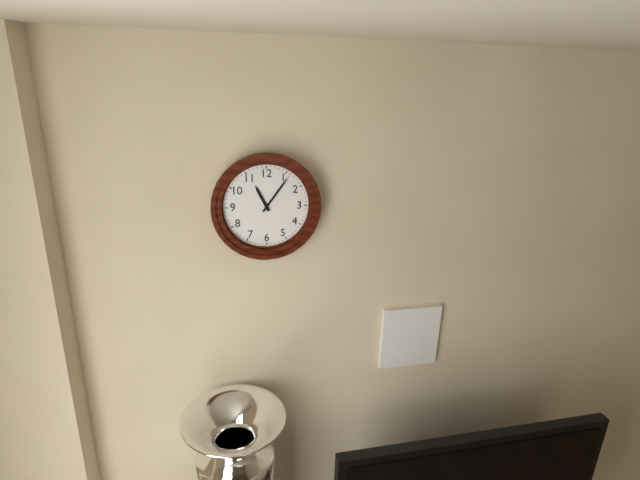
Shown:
h=11 m=6
